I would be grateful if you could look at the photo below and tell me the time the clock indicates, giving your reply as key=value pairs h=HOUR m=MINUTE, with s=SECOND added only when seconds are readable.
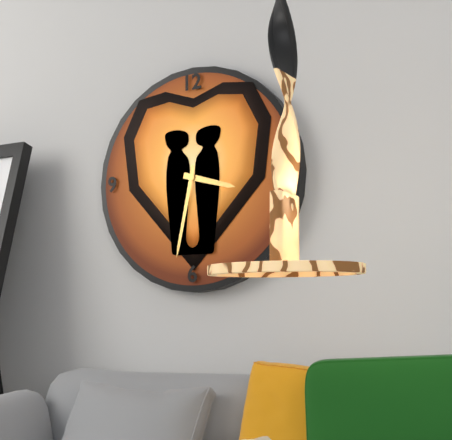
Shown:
h=3 m=32
